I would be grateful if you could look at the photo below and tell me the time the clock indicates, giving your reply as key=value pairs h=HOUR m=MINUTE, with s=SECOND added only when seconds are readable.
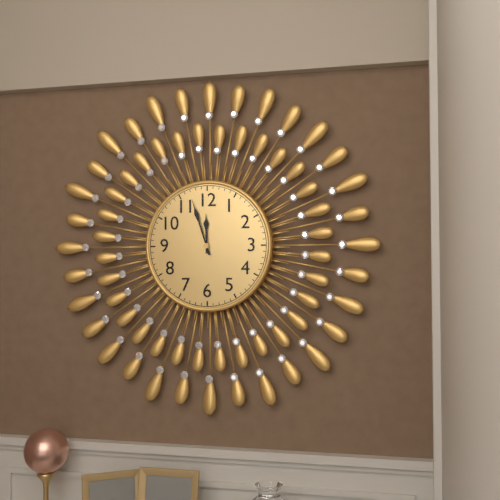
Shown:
h=11 m=57
